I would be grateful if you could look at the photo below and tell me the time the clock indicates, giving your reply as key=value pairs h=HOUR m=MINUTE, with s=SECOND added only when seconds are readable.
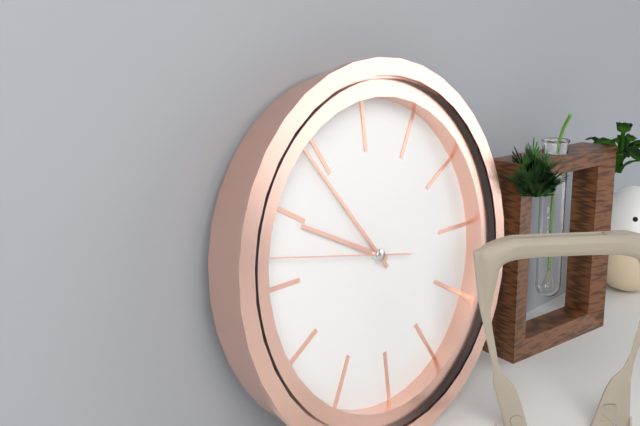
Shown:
h=9 m=54 s=47
